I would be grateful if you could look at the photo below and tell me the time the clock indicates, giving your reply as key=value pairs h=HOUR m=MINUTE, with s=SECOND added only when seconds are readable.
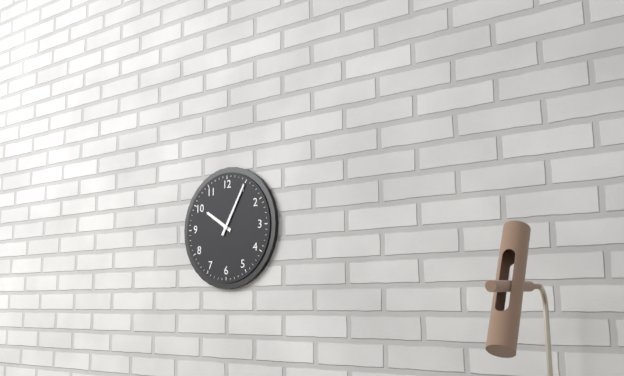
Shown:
h=10 m=5
